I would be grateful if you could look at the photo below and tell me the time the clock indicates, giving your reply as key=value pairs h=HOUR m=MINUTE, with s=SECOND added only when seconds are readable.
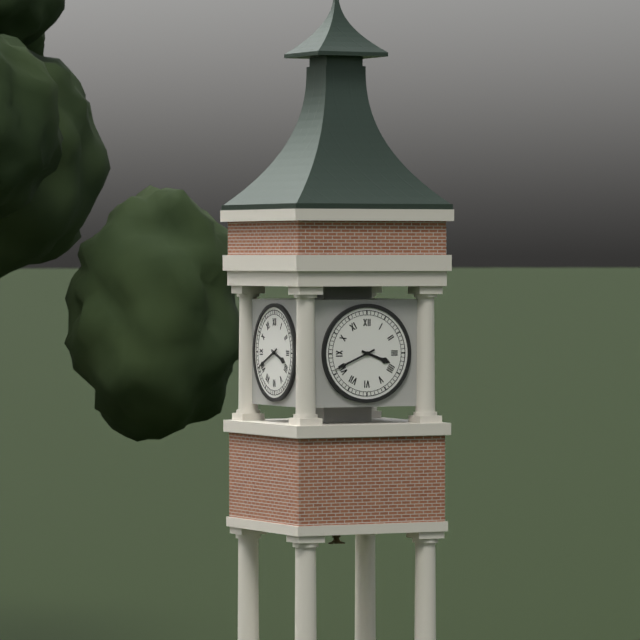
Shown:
h=3 m=41
